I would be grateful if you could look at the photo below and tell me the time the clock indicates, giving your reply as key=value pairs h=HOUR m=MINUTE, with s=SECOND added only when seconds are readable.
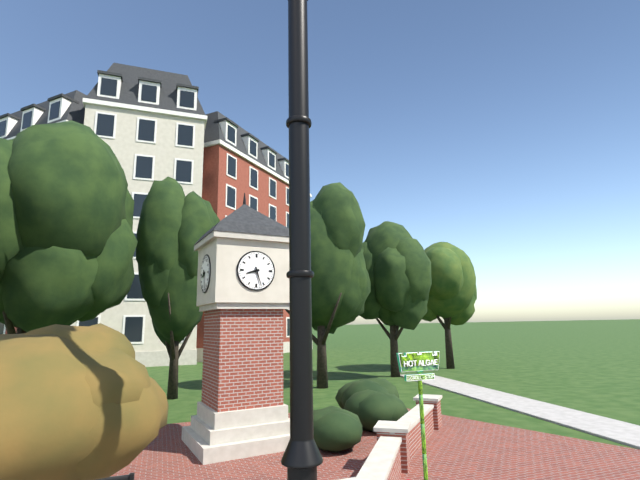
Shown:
h=8 m=27
